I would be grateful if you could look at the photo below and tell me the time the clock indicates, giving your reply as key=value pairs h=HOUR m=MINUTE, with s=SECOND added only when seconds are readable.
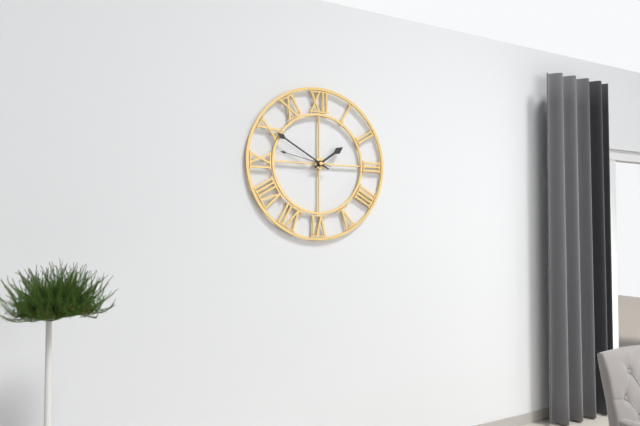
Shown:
h=1 m=50 s=47
